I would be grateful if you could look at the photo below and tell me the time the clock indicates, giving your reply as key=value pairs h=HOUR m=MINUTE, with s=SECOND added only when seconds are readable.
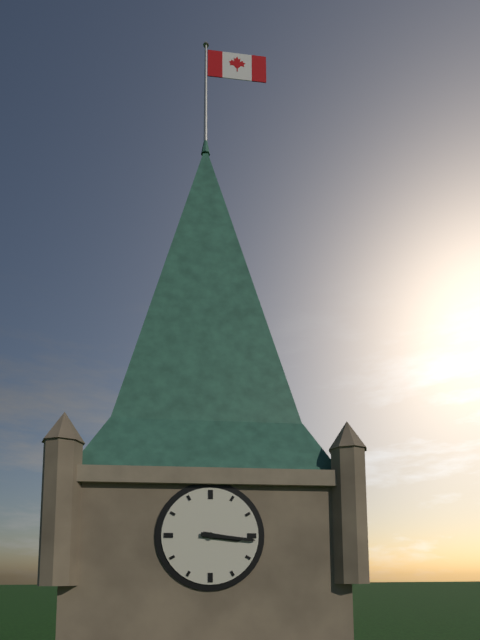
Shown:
h=3 m=16
